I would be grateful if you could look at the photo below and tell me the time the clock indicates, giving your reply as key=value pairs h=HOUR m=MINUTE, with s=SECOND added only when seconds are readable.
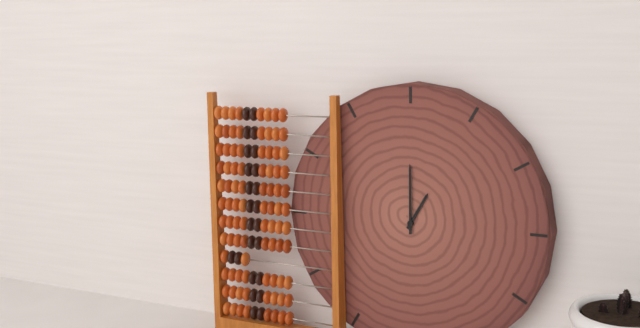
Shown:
h=1 m=0
